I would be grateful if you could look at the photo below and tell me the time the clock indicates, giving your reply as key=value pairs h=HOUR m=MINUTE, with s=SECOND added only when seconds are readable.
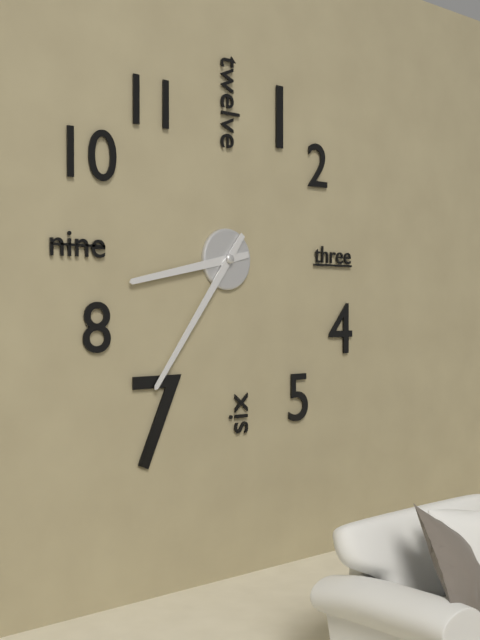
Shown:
h=8 m=36
